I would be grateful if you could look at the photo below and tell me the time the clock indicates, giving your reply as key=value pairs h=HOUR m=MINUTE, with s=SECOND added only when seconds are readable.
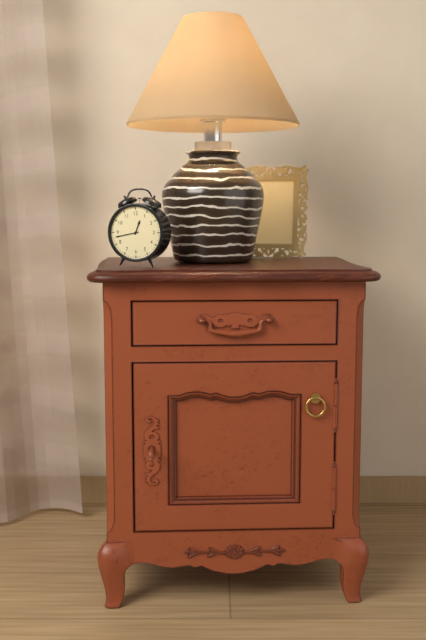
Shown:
h=12 m=43
